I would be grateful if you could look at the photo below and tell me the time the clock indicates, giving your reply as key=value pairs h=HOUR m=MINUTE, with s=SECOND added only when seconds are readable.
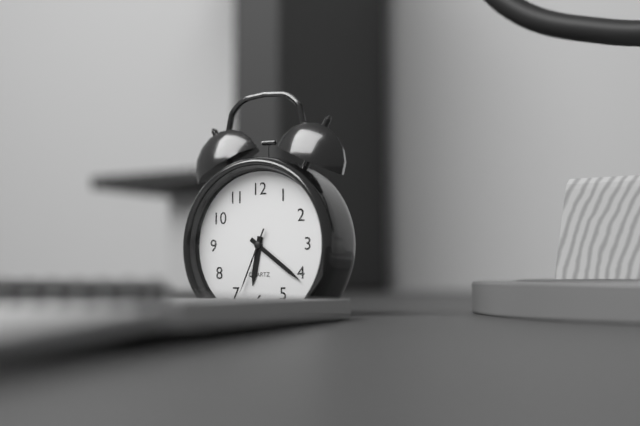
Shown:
h=6 m=21 s=34
